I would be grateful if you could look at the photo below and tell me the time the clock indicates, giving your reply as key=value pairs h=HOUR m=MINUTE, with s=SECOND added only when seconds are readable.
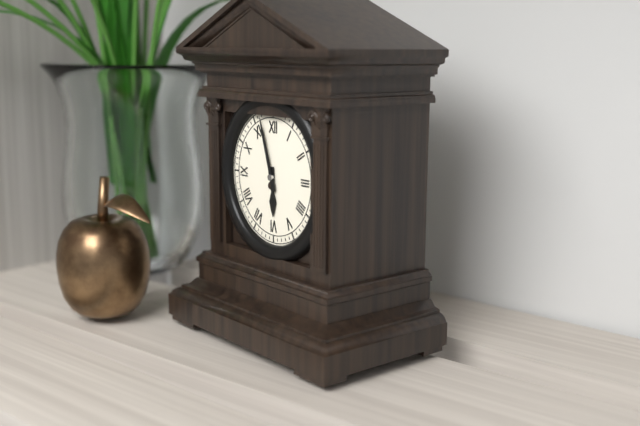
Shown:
h=5 m=57
